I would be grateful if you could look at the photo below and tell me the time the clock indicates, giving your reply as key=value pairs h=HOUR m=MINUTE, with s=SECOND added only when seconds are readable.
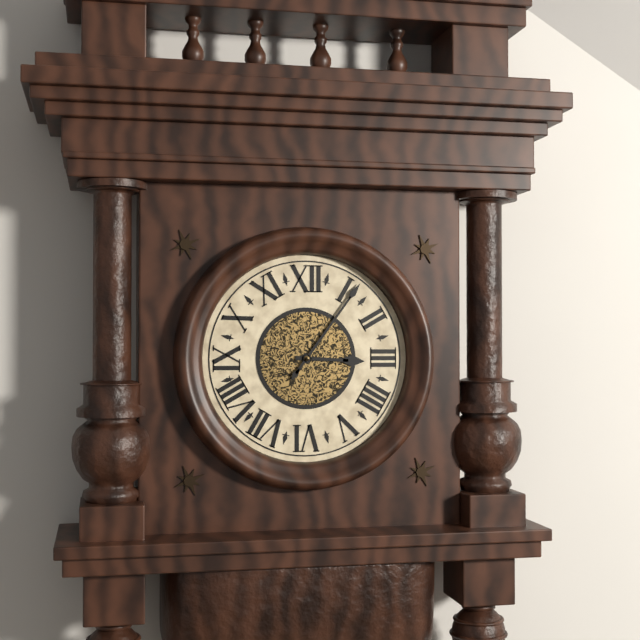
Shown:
h=3 m=6
